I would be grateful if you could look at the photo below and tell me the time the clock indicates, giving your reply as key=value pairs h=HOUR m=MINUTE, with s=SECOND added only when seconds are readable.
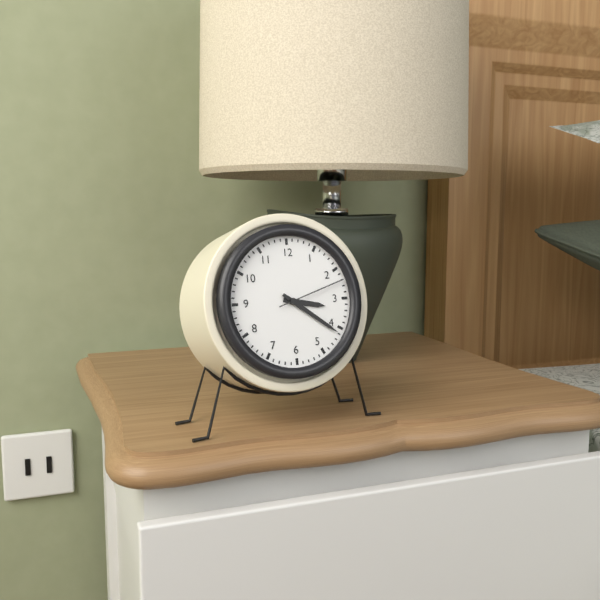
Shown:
h=3 m=21 s=12
